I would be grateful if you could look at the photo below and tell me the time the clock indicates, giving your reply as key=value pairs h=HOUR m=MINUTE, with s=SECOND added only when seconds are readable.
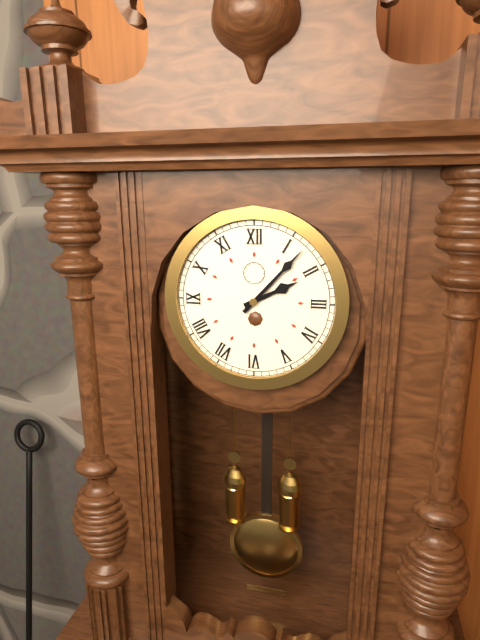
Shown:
h=2 m=7
